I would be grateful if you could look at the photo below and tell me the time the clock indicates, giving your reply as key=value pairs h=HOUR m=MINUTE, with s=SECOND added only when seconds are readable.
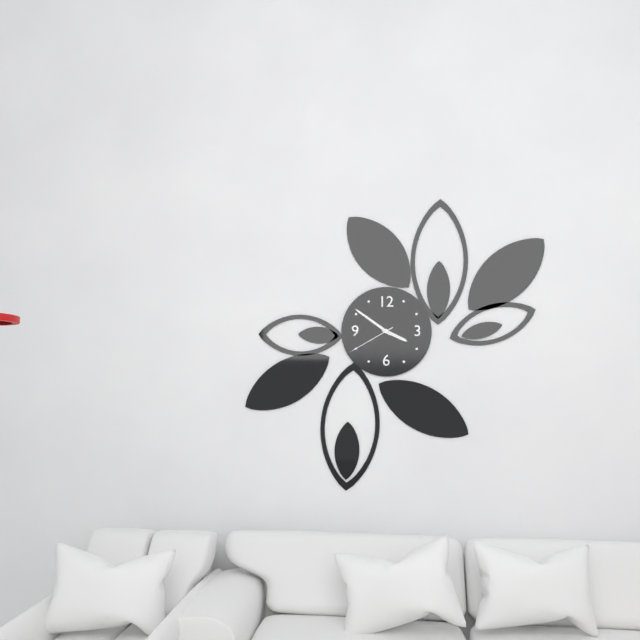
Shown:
h=3 m=51 s=40
